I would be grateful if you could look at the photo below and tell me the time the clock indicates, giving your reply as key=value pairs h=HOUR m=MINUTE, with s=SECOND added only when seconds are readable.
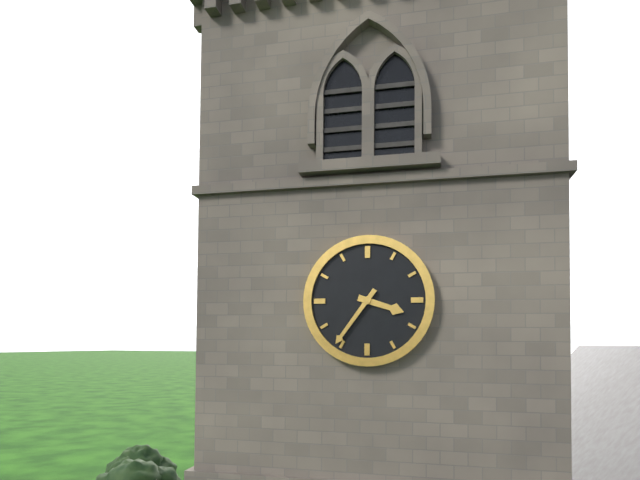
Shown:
h=3 m=36
